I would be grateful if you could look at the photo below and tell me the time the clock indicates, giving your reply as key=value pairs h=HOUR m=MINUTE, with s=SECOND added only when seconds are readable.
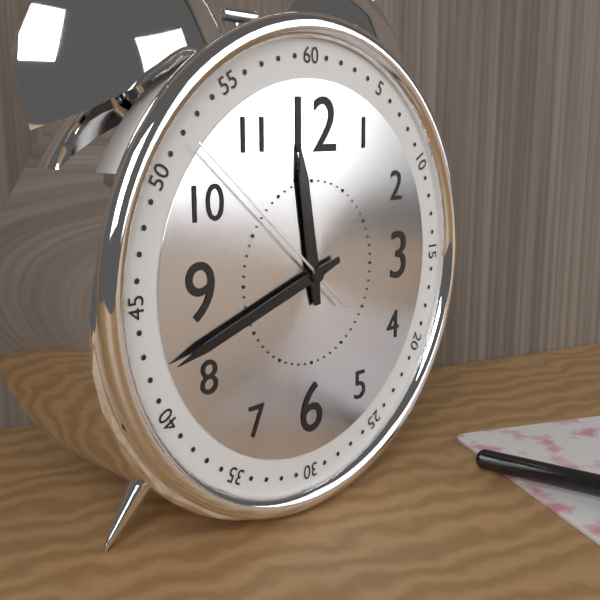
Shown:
h=11 m=42 s=52
